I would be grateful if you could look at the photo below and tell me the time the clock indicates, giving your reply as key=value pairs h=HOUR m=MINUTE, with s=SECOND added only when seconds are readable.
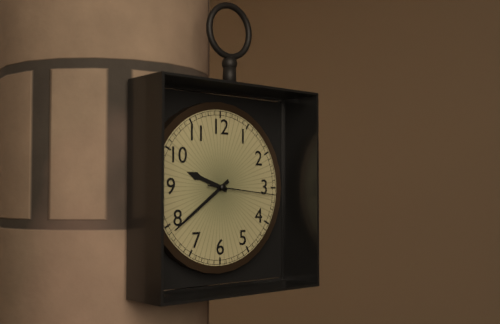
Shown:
h=9 m=39 s=16
